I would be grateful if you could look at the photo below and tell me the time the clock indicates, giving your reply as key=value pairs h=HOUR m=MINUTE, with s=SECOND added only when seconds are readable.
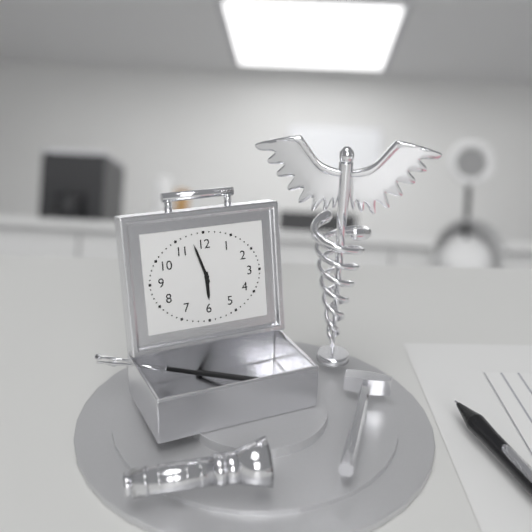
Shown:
h=5 m=57
